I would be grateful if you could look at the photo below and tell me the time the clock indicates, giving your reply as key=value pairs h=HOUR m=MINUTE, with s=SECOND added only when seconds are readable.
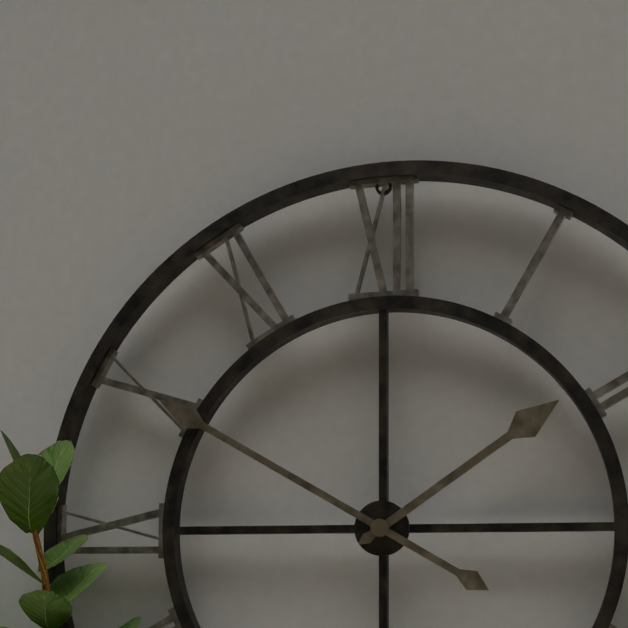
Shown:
h=1 m=50
